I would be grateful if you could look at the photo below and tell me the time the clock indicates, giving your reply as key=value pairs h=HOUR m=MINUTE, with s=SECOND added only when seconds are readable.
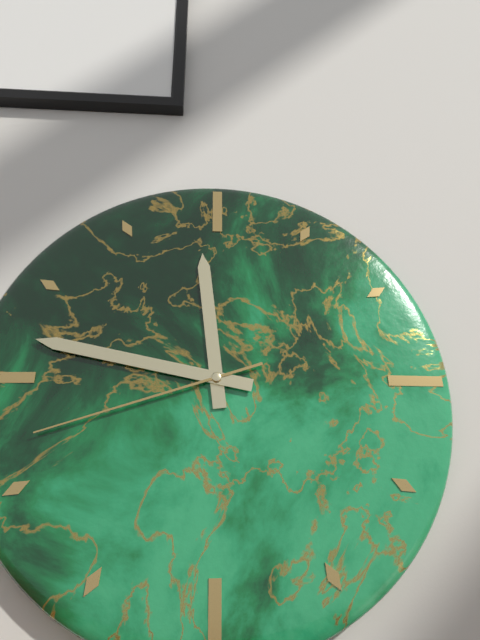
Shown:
h=11 m=47 s=42
